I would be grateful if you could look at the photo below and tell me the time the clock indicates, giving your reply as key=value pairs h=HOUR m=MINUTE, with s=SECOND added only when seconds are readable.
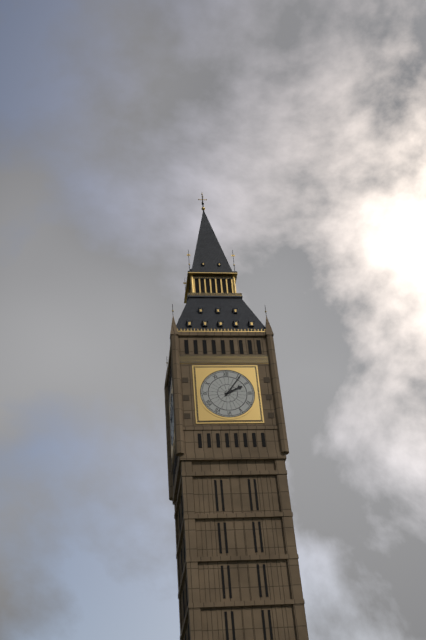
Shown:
h=2 m=6
